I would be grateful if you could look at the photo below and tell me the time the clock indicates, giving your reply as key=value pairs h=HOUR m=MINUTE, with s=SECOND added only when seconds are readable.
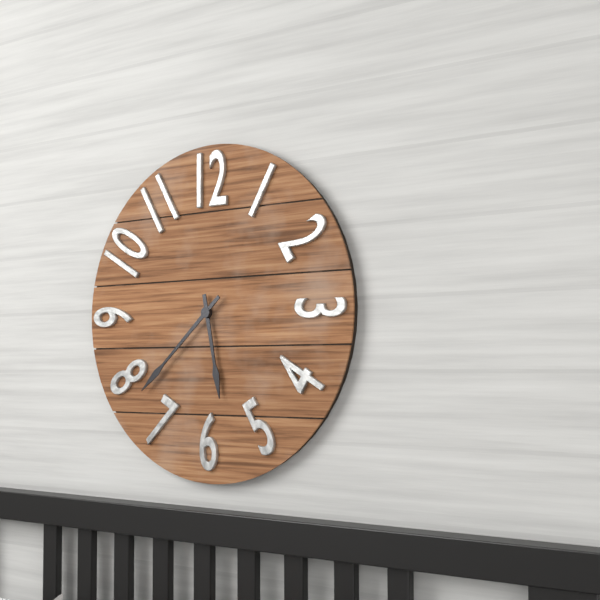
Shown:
h=5 m=38
